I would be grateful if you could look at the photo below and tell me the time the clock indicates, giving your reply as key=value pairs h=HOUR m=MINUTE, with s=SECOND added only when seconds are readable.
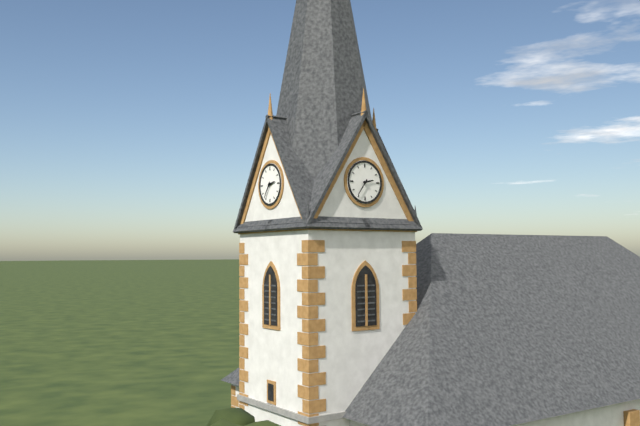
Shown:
h=2 m=36
